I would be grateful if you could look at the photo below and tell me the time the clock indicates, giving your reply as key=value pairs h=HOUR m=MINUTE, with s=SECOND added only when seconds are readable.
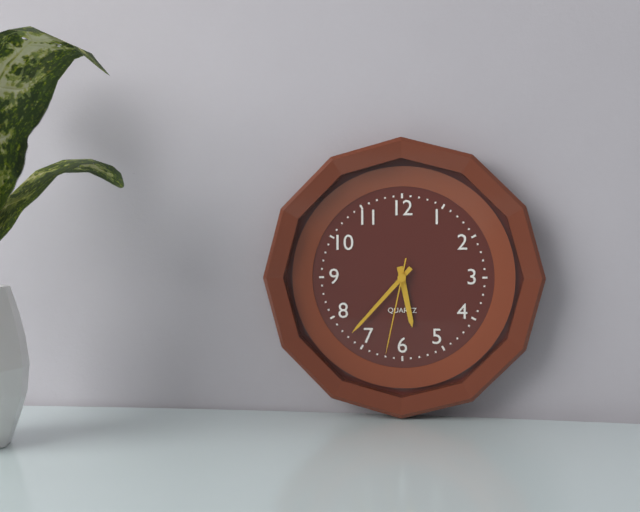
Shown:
h=5 m=37 s=32
